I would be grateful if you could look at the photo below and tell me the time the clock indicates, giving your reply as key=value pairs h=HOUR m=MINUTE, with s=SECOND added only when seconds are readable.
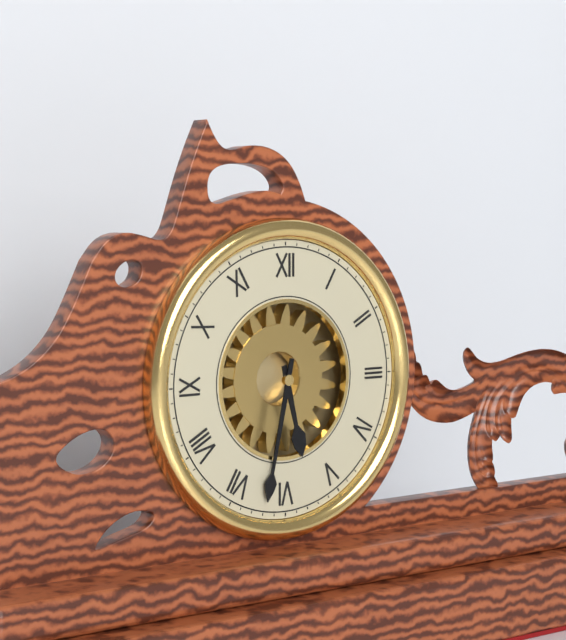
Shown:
h=5 m=32
